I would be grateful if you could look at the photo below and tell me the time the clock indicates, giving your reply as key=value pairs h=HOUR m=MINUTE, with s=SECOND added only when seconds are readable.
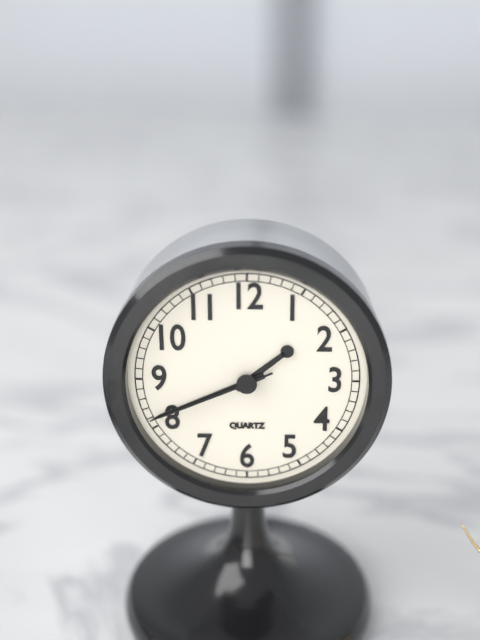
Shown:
h=1 m=41 s=41
